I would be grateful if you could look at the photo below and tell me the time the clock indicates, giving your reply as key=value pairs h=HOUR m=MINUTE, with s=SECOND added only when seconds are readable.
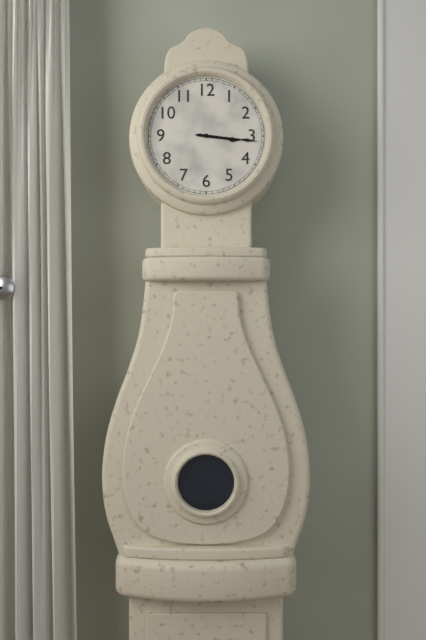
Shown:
h=3 m=16
